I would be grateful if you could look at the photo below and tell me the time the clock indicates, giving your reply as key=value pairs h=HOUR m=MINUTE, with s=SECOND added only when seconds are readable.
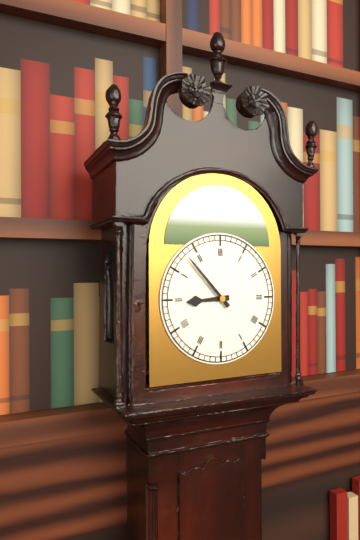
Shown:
h=8 m=53
